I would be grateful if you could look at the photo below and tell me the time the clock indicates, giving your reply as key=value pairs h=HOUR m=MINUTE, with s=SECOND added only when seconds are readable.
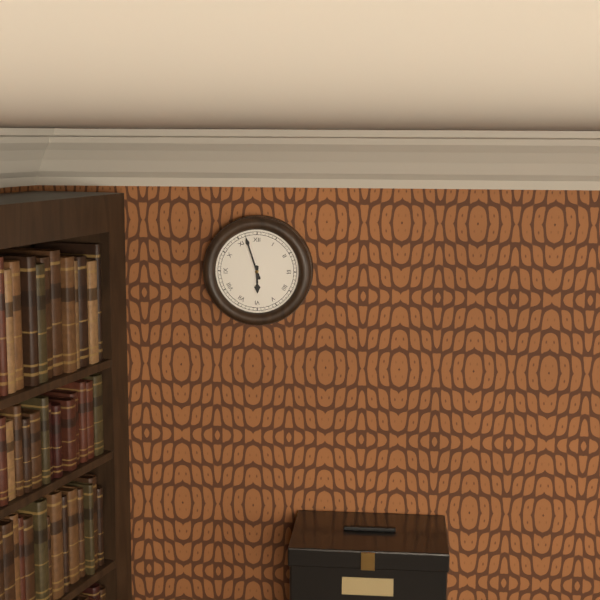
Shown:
h=5 m=57
